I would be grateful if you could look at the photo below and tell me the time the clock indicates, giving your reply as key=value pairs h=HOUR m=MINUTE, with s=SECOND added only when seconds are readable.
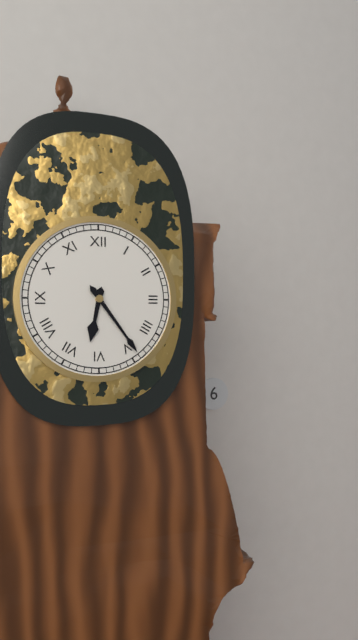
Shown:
h=6 m=24
